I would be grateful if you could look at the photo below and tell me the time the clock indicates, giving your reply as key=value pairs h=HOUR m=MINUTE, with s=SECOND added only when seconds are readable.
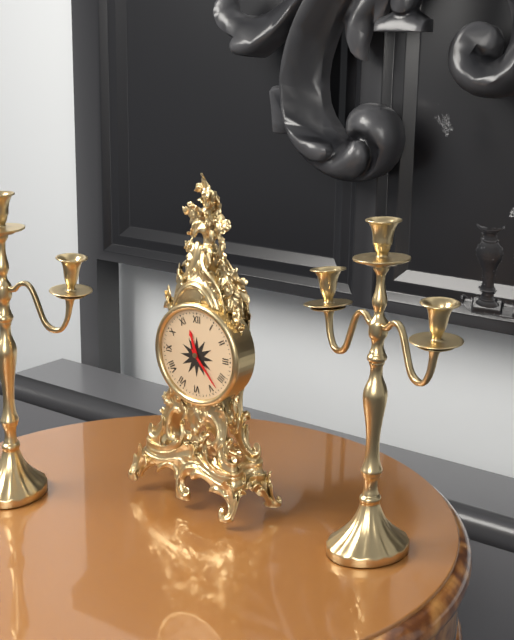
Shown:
h=11 m=23
